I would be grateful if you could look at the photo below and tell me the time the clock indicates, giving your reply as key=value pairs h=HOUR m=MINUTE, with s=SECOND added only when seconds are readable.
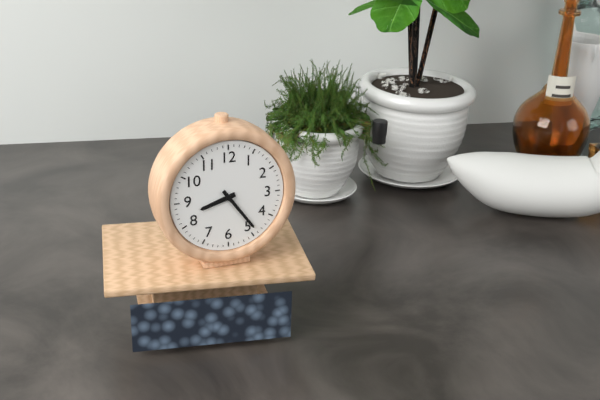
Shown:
h=8 m=24
